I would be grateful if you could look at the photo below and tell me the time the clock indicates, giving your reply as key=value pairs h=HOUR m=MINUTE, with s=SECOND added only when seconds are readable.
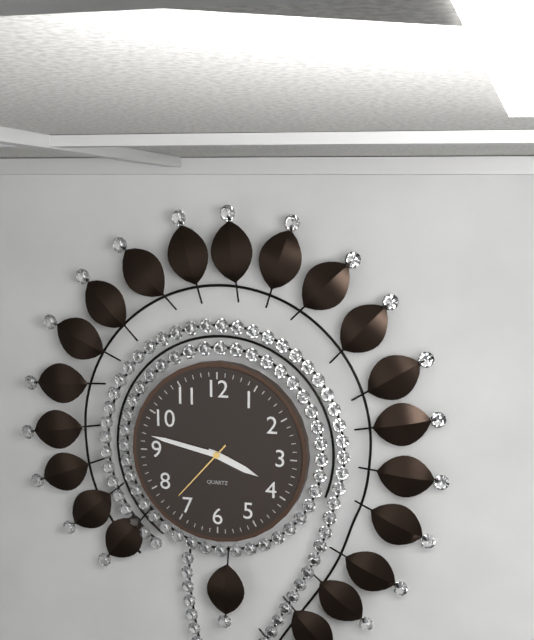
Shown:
h=3 m=47 s=37
